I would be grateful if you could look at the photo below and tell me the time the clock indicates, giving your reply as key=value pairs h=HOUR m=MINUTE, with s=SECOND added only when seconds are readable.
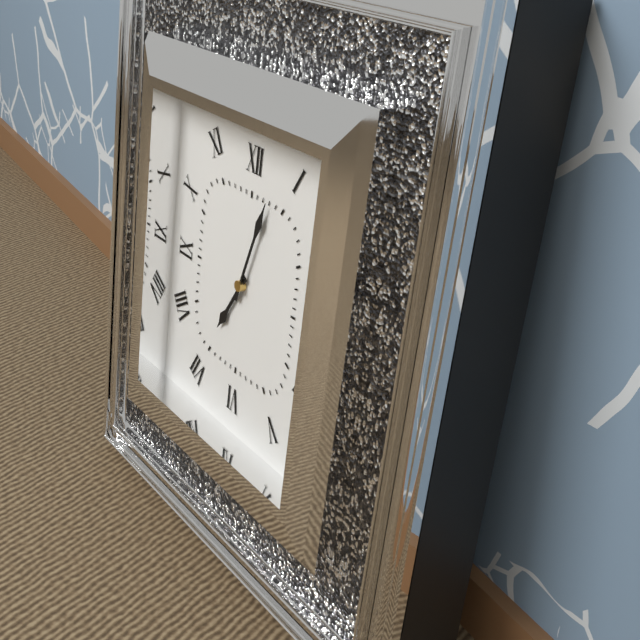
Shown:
h=7 m=3
